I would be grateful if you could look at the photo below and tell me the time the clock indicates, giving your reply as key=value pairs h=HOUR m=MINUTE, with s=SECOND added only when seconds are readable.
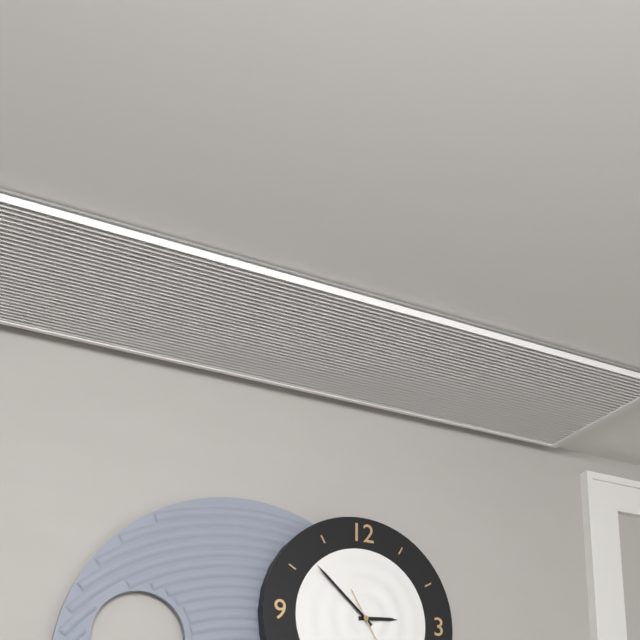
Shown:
h=2 m=52
